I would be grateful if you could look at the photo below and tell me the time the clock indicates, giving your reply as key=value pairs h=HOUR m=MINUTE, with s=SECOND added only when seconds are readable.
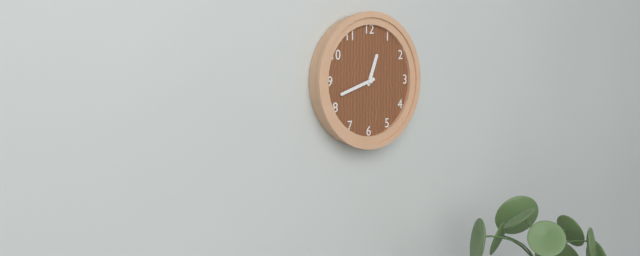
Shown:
h=12 m=42
